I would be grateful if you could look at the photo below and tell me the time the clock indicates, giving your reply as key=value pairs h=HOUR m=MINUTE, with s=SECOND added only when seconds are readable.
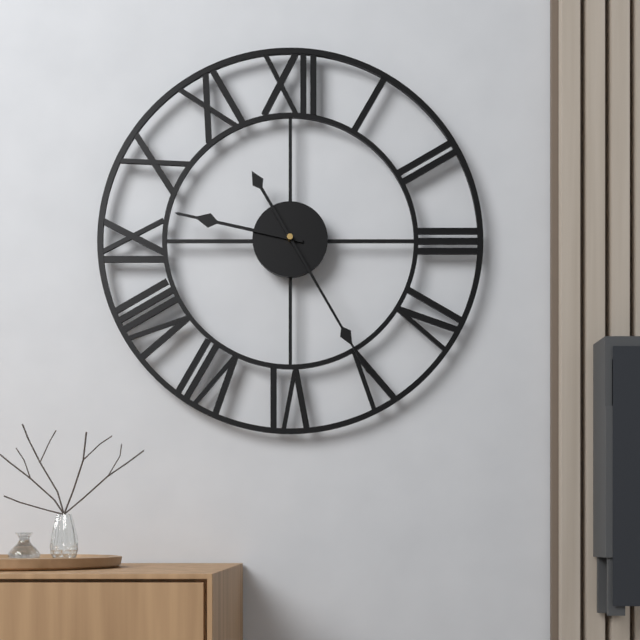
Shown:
h=9 m=25
